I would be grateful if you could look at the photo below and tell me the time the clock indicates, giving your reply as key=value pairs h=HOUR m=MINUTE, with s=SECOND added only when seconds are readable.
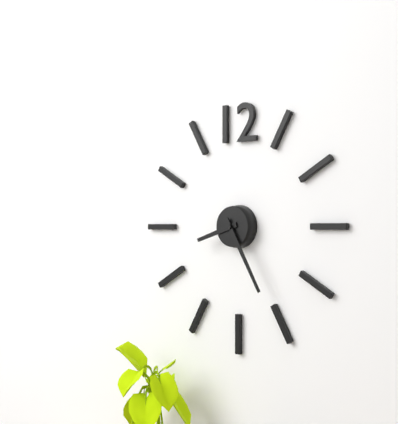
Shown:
h=8 m=25
